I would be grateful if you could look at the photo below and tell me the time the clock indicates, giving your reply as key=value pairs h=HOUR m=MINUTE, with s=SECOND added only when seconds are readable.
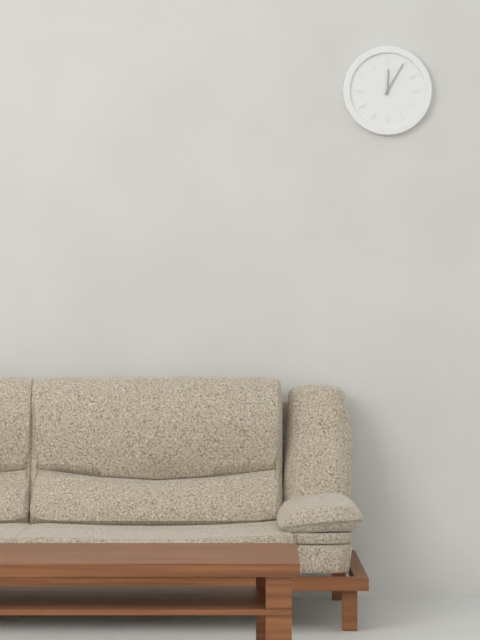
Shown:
h=12 m=5
